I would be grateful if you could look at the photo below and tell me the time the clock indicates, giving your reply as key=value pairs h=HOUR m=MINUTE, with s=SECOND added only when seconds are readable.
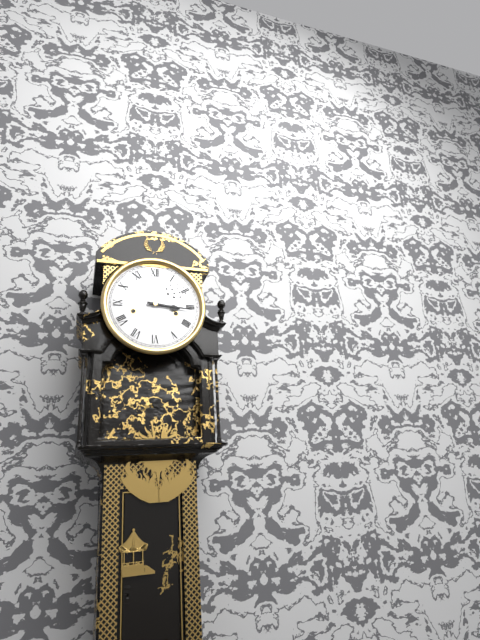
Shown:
h=3 m=16
